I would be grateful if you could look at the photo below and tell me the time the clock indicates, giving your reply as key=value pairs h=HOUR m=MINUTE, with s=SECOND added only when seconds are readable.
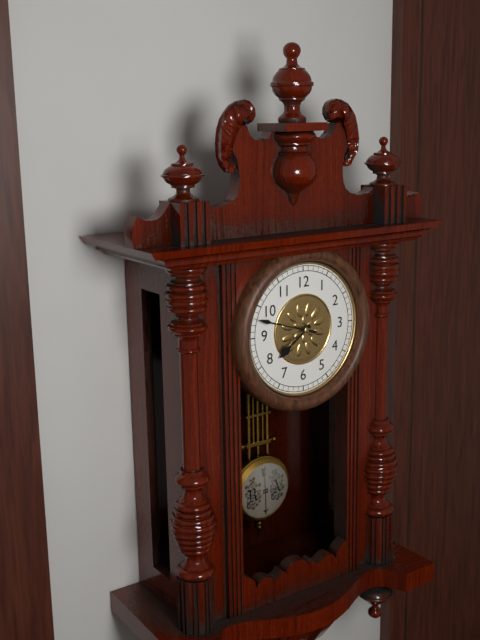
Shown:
h=7 m=48
